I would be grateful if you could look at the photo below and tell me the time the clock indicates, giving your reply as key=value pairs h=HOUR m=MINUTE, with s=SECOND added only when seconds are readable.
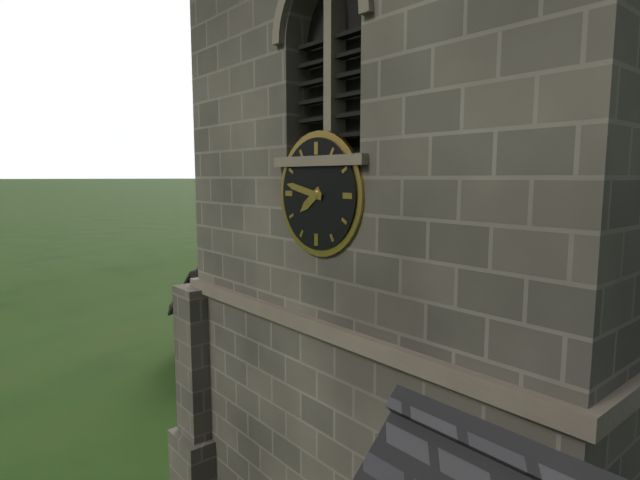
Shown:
h=7 m=47
